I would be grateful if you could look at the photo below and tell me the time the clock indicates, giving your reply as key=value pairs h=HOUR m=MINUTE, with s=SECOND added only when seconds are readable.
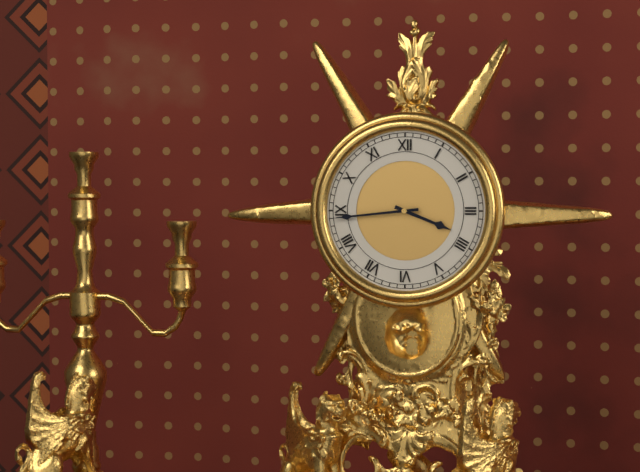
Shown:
h=3 m=44
